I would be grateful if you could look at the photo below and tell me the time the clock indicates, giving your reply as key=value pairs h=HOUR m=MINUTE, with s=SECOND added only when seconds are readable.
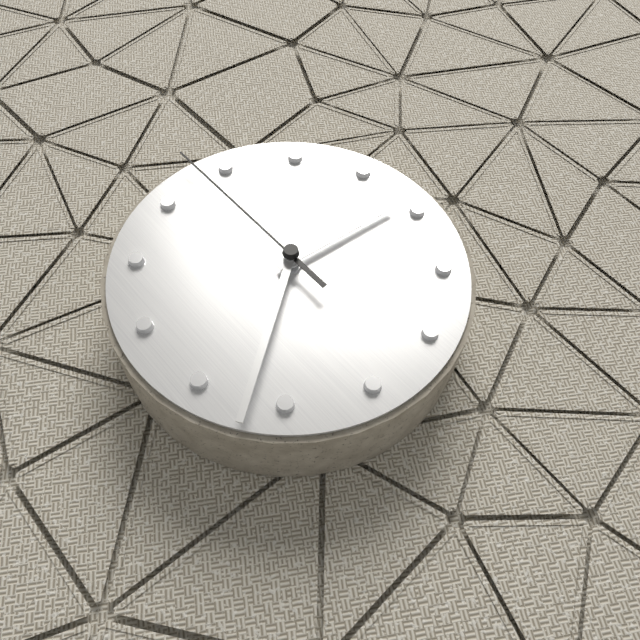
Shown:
h=4 m=47 s=8
